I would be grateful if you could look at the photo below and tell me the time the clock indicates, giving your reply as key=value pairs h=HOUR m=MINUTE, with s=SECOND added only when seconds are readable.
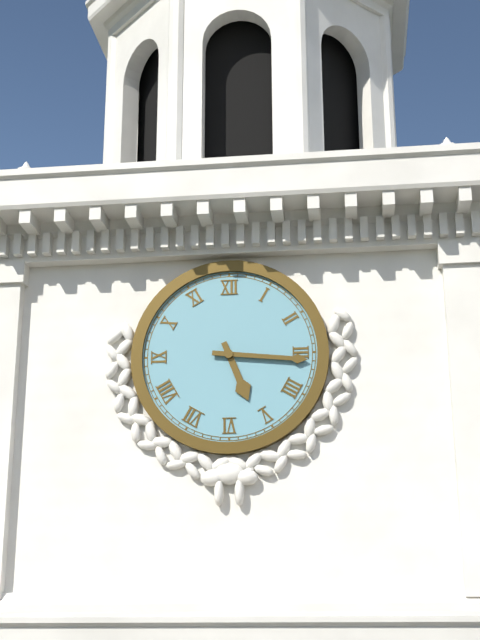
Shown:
h=5 m=16
